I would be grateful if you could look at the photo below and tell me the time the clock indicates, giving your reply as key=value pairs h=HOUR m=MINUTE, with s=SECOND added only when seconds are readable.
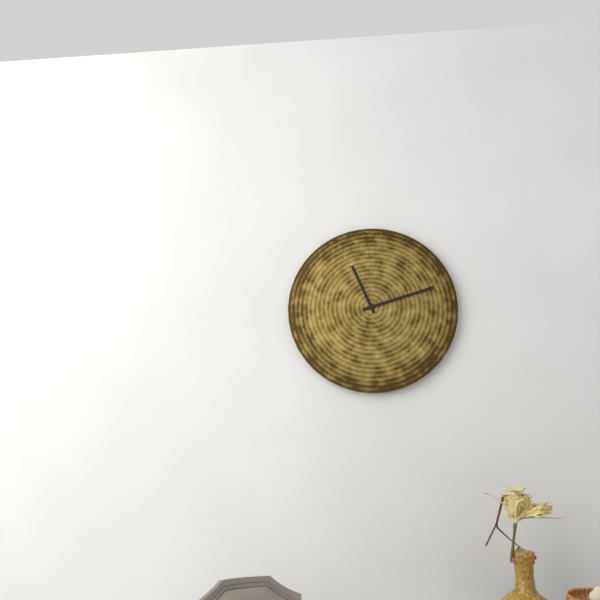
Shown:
h=11 m=12
